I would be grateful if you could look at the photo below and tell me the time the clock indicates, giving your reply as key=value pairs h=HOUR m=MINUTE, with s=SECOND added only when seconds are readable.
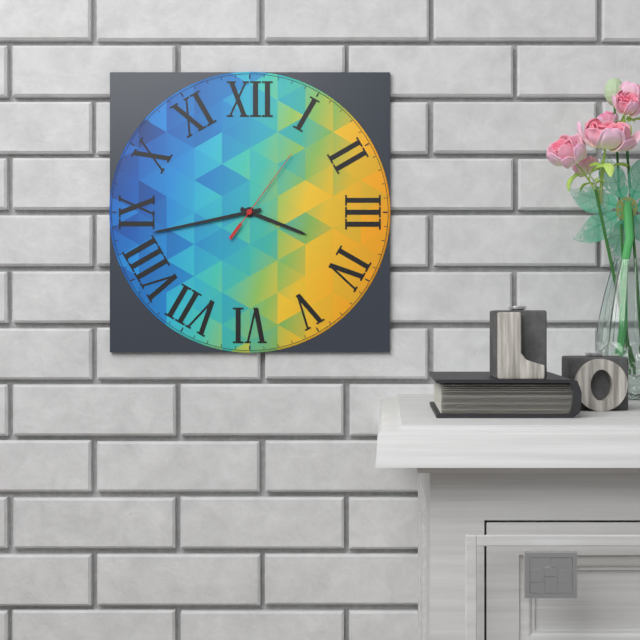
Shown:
h=3 m=43 s=6
